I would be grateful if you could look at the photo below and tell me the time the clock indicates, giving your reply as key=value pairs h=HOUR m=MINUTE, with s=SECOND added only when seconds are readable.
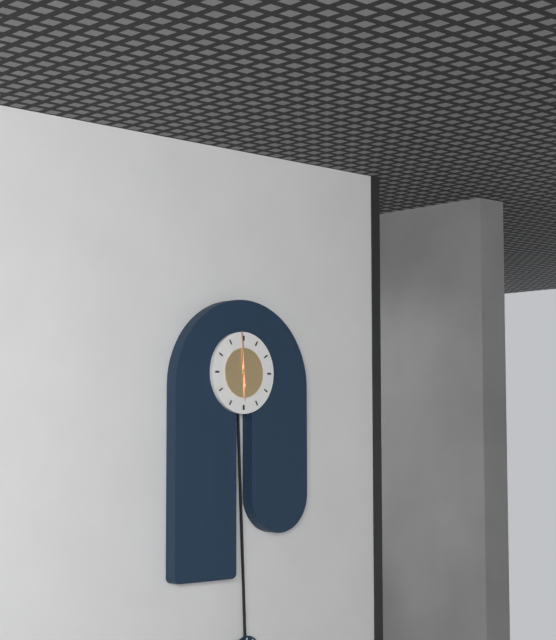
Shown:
h=5 m=59
